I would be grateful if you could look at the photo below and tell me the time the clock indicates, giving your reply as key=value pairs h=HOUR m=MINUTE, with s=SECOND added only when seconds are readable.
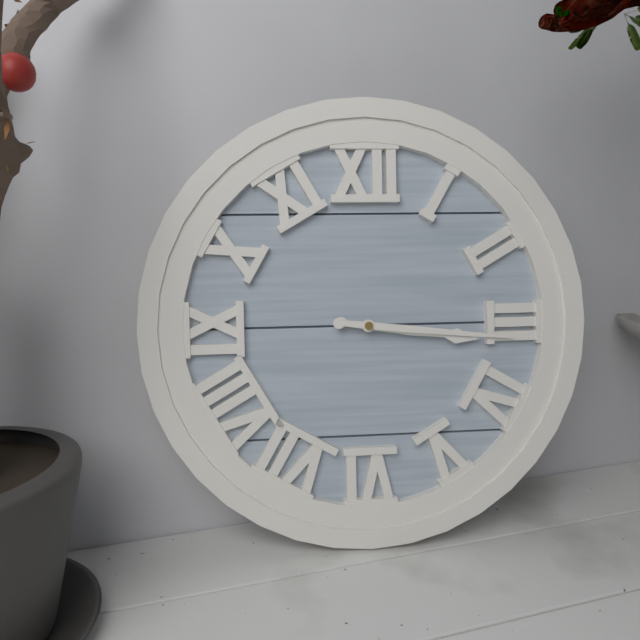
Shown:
h=3 m=16
